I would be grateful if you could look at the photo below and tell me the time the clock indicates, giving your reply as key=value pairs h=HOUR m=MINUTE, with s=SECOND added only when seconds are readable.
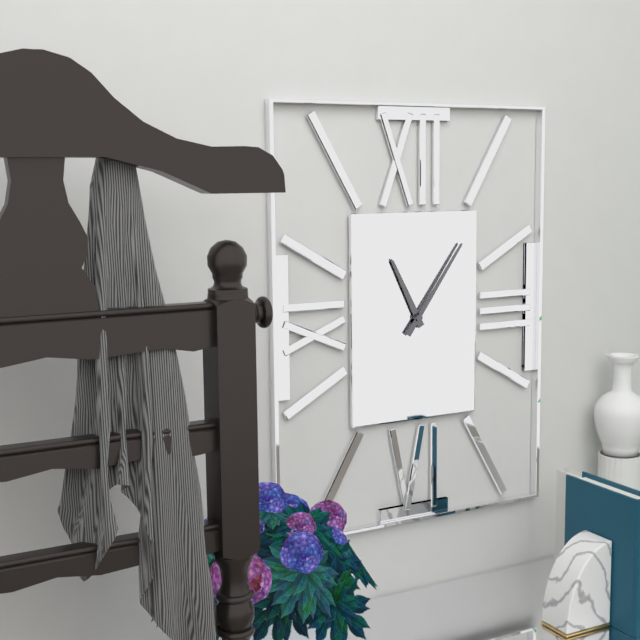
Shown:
h=11 m=6
